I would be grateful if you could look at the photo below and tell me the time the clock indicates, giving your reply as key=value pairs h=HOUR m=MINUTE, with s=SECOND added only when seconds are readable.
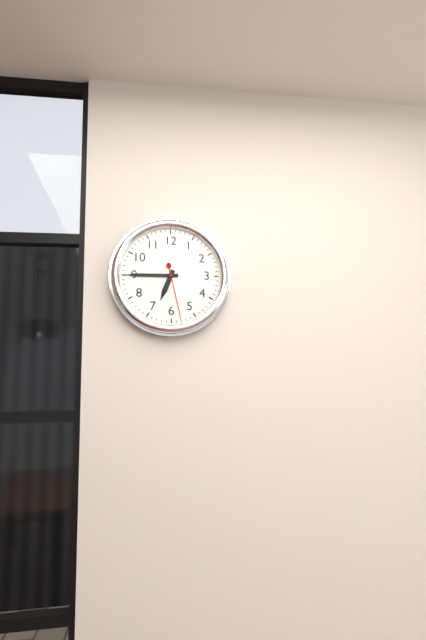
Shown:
h=6 m=45 s=28
